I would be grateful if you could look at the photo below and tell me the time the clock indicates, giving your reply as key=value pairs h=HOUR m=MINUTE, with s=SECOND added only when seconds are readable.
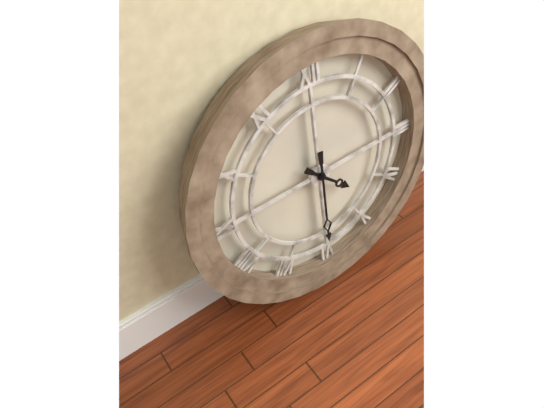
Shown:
h=4 m=30
